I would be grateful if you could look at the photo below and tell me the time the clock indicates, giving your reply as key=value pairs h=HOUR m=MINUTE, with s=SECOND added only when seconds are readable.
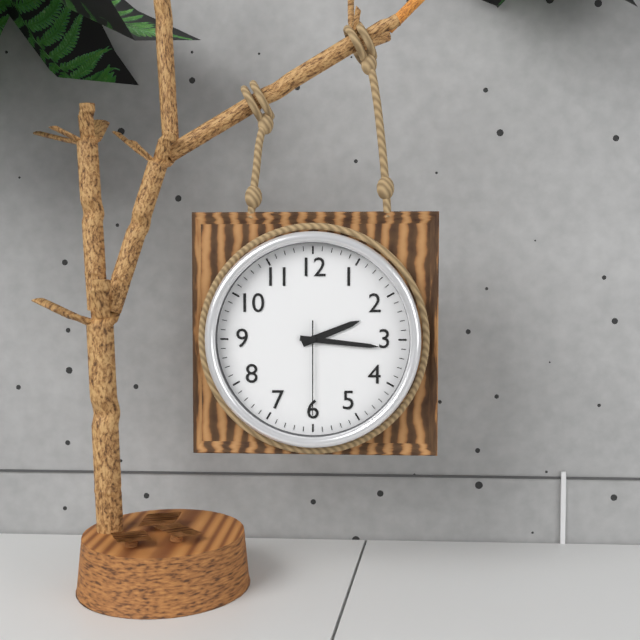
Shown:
h=2 m=16 s=30
